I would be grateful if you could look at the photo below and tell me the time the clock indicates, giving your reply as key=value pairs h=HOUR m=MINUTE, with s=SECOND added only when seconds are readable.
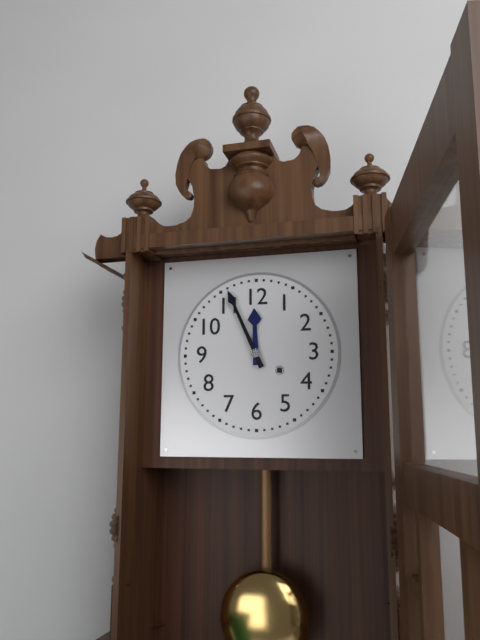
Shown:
h=11 m=56
